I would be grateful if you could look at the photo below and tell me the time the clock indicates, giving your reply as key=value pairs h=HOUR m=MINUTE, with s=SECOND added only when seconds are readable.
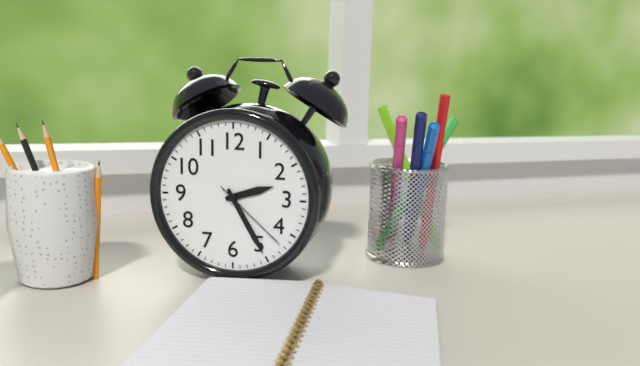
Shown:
h=2 m=25 s=22
